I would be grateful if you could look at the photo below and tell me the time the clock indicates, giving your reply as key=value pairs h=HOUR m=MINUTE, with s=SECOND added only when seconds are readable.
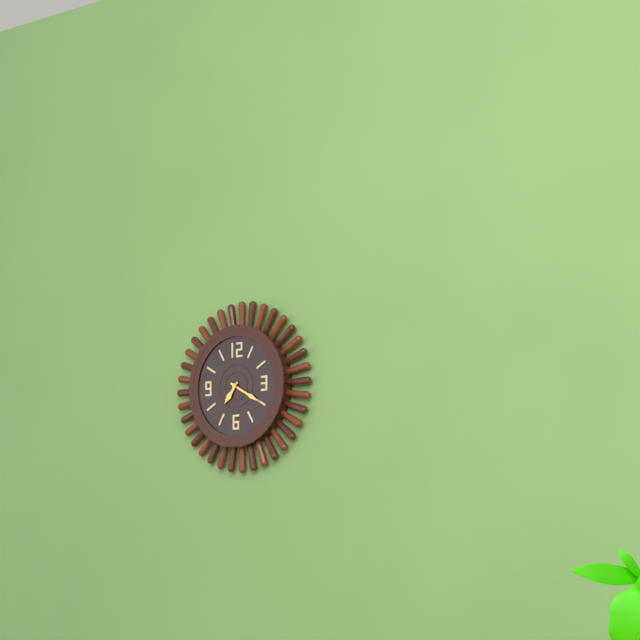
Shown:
h=7 m=20
